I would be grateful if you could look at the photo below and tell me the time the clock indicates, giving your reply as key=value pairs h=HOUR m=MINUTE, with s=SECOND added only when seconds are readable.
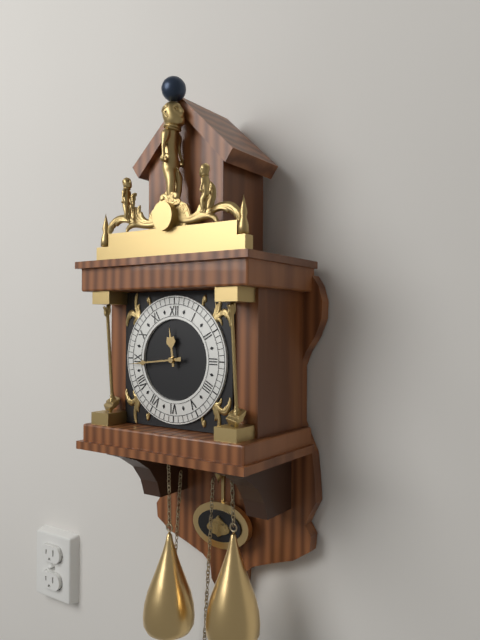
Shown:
h=11 m=44
